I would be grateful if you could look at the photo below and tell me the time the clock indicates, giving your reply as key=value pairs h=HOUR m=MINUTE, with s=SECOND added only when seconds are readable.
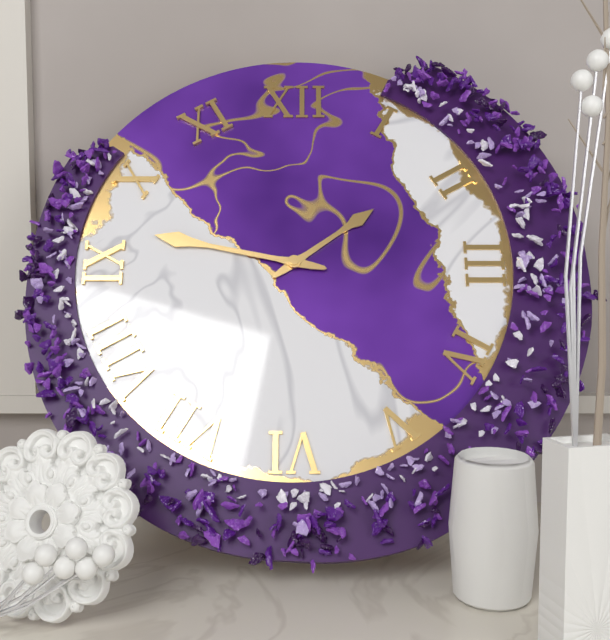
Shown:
h=1 m=47
